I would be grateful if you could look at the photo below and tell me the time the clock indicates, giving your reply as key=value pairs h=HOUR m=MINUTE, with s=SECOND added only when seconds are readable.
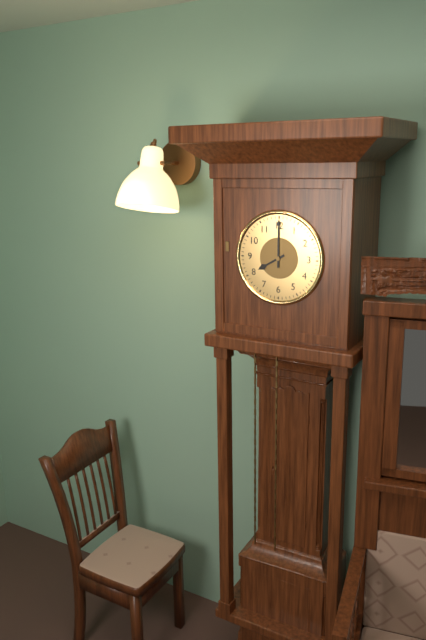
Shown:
h=8 m=0
